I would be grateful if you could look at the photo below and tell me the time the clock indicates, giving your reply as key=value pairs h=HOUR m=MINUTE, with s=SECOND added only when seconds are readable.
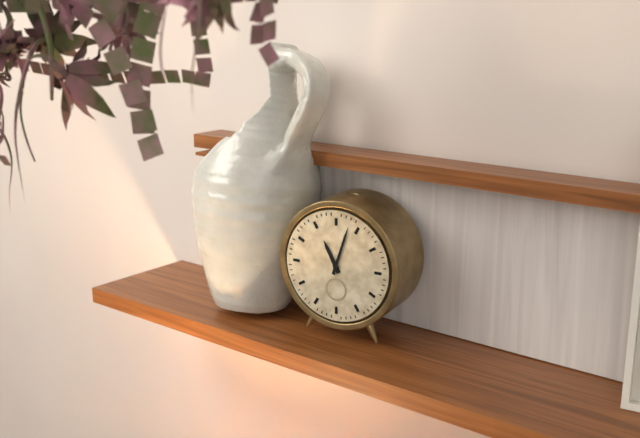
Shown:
h=11 m=3
